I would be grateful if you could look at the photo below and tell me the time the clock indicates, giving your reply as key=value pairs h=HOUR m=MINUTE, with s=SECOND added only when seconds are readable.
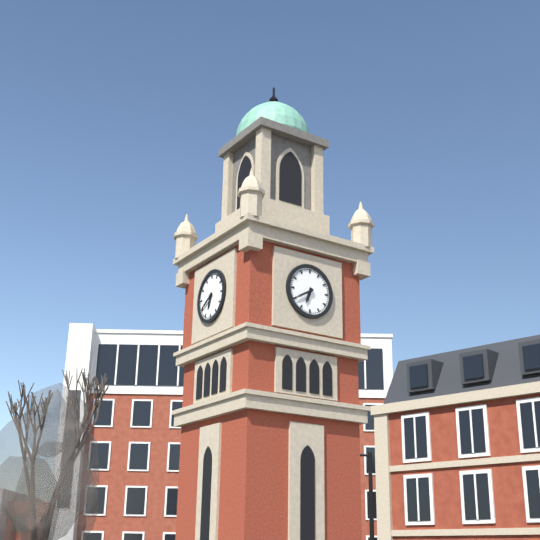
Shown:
h=6 m=40
